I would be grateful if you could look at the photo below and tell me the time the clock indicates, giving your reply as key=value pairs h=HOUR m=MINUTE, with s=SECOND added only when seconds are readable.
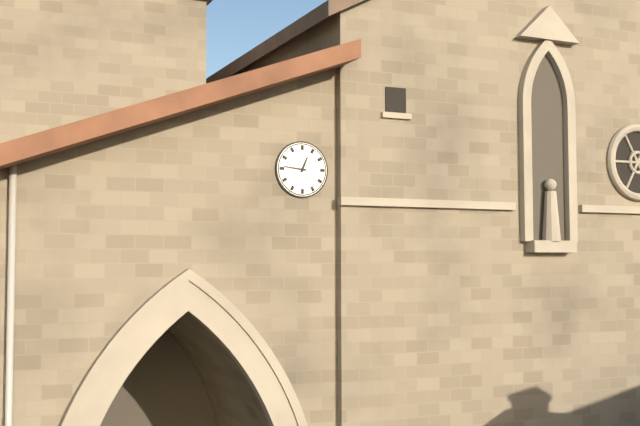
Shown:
h=12 m=46
